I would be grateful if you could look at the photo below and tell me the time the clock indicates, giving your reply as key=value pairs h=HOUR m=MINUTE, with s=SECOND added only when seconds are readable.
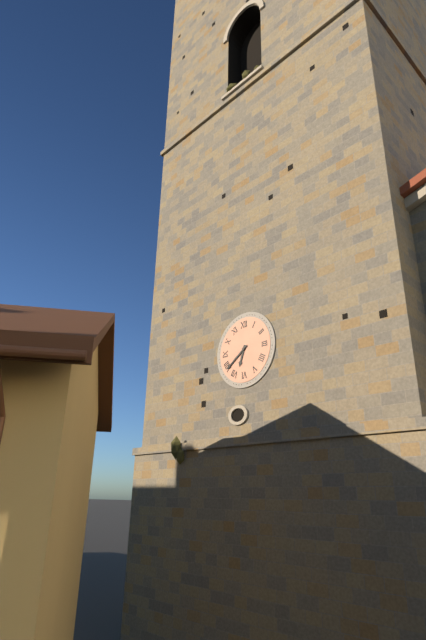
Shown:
h=6 m=39
